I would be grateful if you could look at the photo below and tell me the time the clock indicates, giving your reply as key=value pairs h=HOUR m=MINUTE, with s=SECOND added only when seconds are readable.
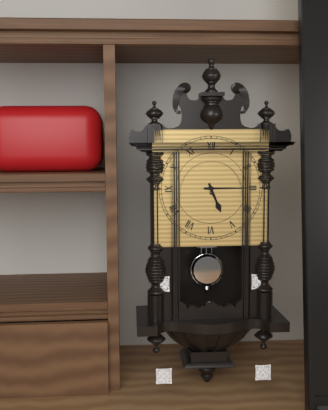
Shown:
h=5 m=15
